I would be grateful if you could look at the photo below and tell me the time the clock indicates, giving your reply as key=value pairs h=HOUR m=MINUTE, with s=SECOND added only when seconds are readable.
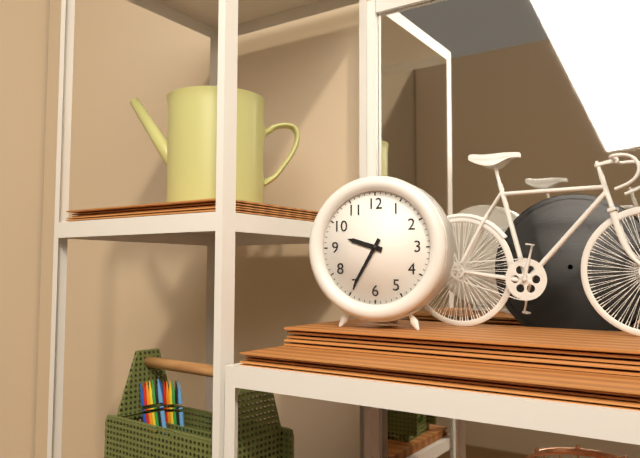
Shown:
h=9 m=35
